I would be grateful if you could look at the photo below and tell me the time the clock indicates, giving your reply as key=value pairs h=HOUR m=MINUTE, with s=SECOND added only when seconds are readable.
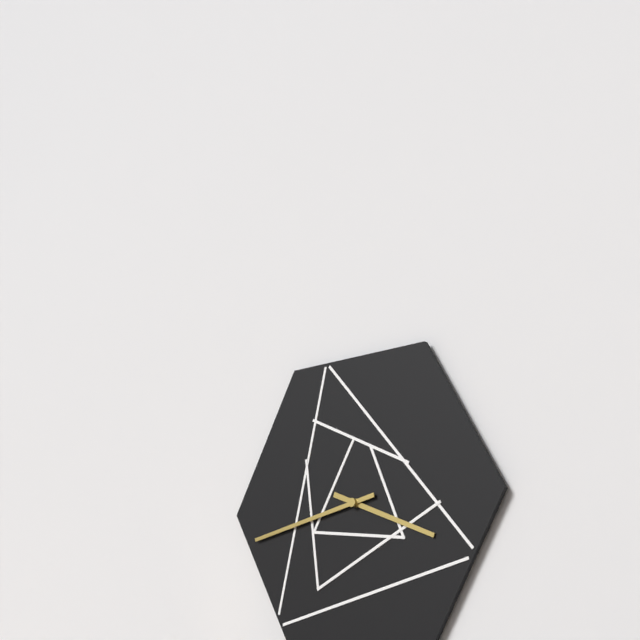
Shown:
h=3 m=43
